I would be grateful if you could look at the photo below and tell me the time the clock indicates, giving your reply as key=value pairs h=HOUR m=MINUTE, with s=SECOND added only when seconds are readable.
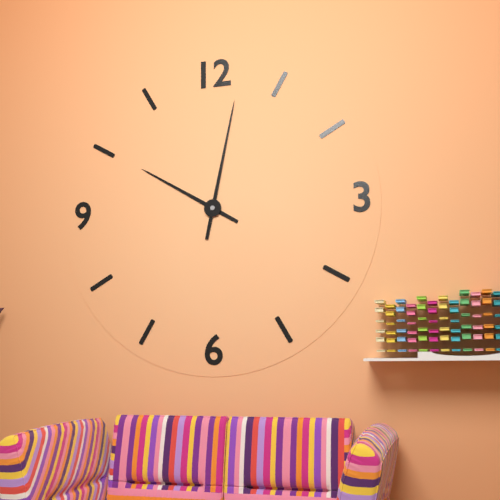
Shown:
h=10 m=2
